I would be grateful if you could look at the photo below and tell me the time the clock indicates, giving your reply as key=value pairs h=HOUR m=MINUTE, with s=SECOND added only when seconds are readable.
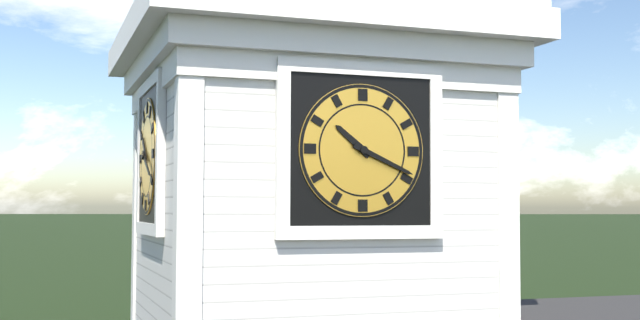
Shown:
h=10 m=19
